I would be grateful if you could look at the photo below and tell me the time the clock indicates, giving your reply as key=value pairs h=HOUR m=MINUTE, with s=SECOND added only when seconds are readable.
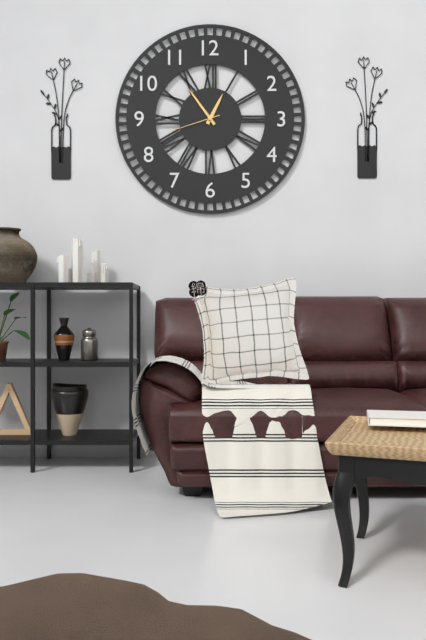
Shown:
h=12 m=54 s=42
